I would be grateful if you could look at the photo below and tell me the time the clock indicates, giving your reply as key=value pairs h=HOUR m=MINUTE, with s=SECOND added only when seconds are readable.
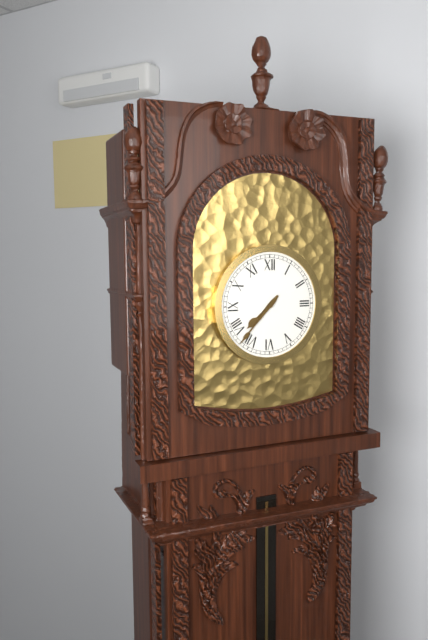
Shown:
h=7 m=37
